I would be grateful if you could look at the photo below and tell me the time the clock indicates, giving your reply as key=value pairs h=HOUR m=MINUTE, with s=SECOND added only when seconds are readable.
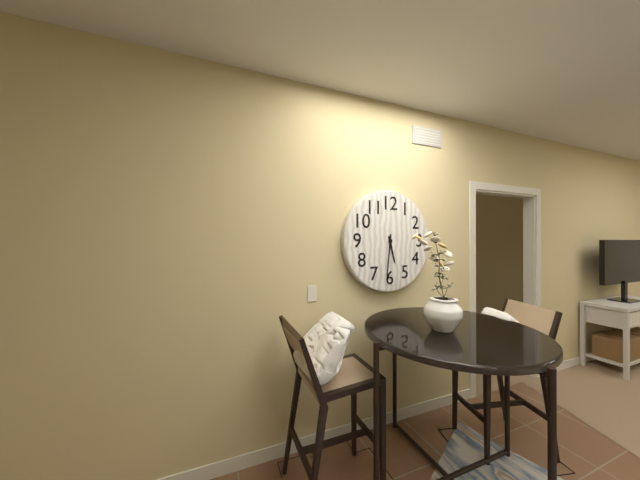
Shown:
h=5 m=31
